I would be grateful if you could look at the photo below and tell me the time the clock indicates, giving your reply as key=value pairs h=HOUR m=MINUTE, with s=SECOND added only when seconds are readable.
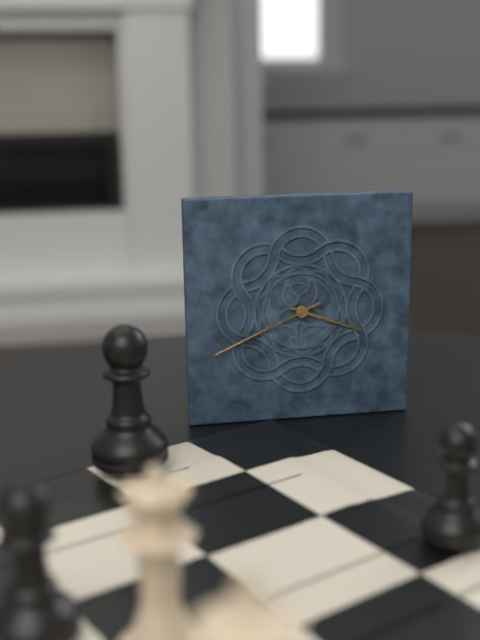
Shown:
h=3 m=41
